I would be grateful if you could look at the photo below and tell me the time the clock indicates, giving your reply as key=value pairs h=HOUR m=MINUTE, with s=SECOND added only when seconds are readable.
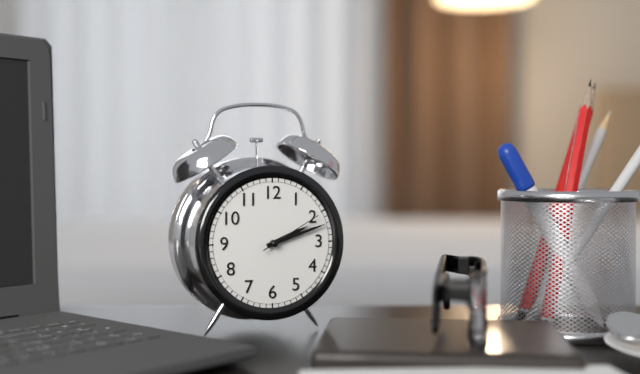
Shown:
h=2 m=12 s=10
